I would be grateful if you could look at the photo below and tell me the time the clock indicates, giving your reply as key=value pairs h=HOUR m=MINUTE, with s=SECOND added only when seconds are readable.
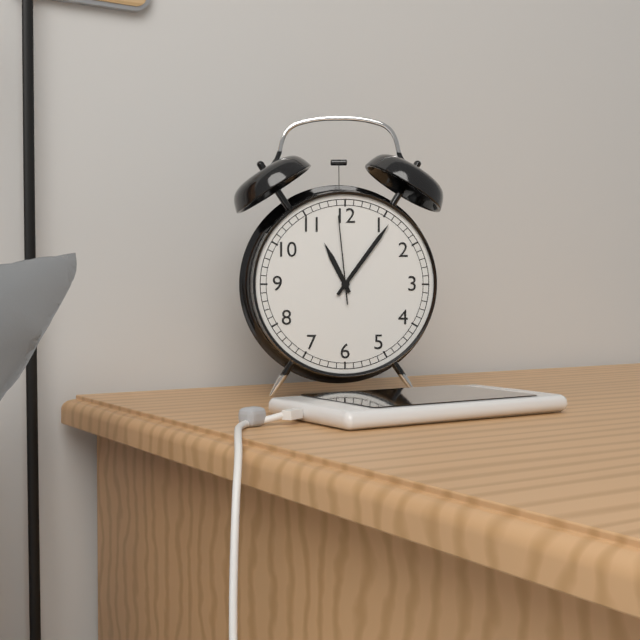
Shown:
h=11 m=6 s=59
